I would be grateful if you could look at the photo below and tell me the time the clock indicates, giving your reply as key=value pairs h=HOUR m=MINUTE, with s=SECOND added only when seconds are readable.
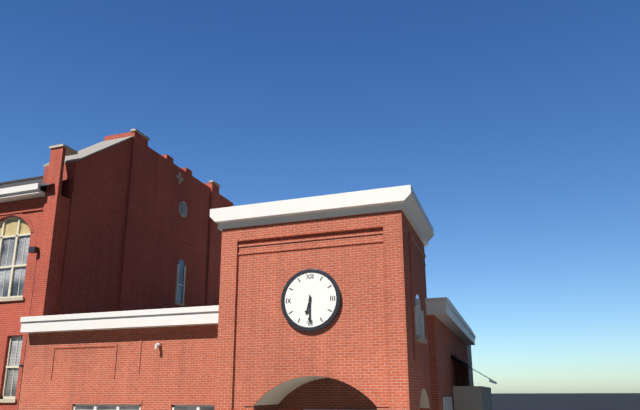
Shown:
h=6 m=30
